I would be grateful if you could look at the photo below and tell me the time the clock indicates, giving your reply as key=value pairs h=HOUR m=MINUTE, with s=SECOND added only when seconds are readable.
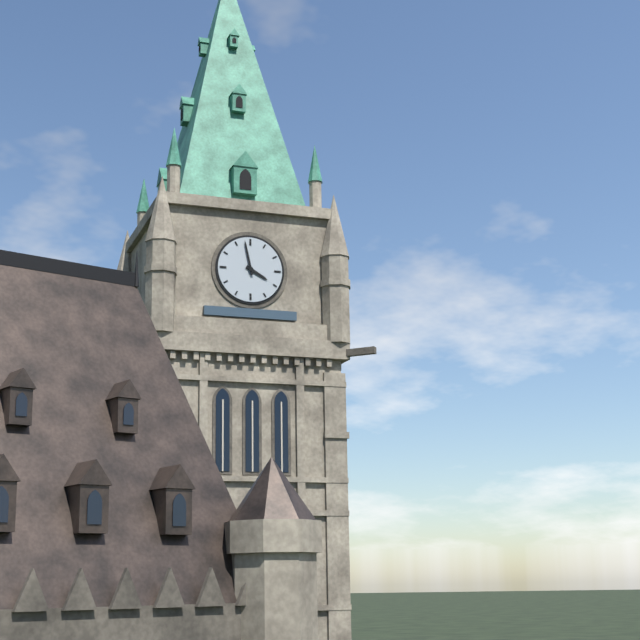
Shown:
h=3 m=58
